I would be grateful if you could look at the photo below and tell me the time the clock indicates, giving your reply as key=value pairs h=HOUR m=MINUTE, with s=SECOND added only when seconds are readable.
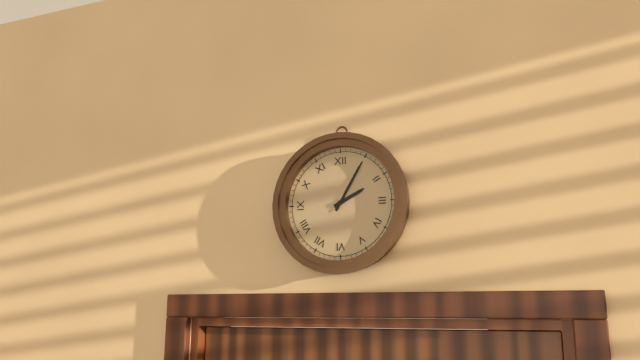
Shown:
h=2 m=5
